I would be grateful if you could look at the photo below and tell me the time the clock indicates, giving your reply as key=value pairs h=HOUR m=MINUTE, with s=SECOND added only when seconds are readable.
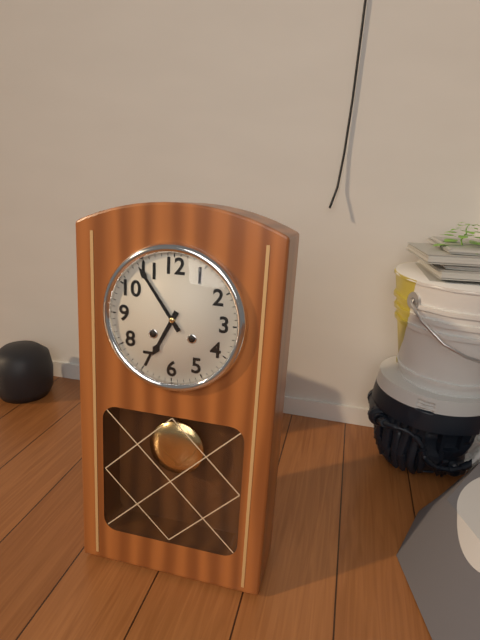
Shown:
h=6 m=54
